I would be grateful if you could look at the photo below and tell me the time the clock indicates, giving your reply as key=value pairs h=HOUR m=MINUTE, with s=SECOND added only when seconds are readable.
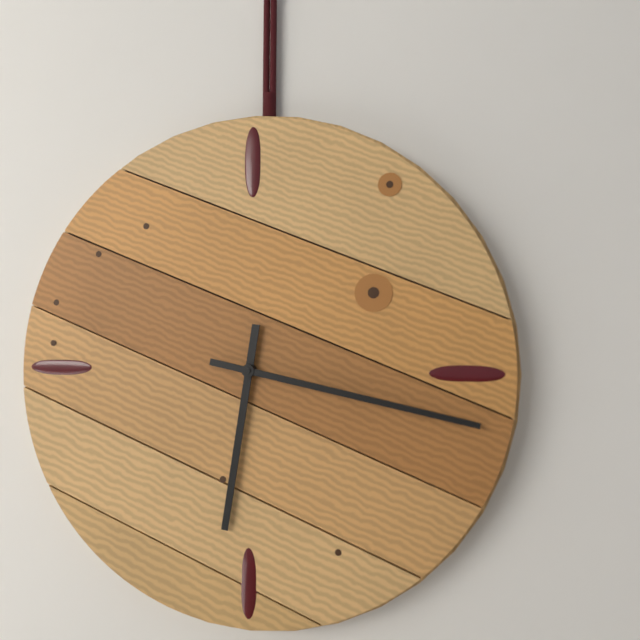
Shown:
h=6 m=17
